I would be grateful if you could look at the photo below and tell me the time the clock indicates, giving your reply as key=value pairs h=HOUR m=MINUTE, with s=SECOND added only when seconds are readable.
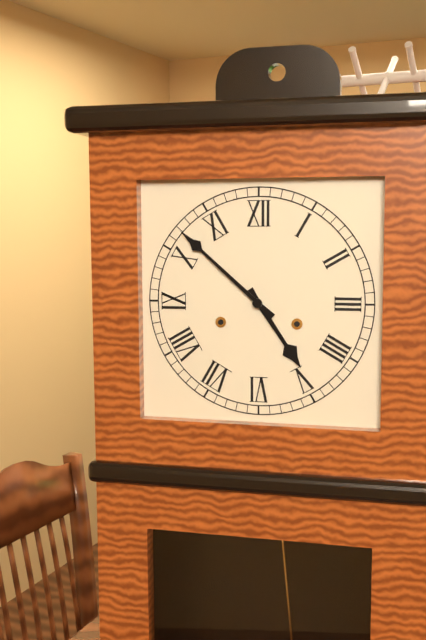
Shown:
h=4 m=52
